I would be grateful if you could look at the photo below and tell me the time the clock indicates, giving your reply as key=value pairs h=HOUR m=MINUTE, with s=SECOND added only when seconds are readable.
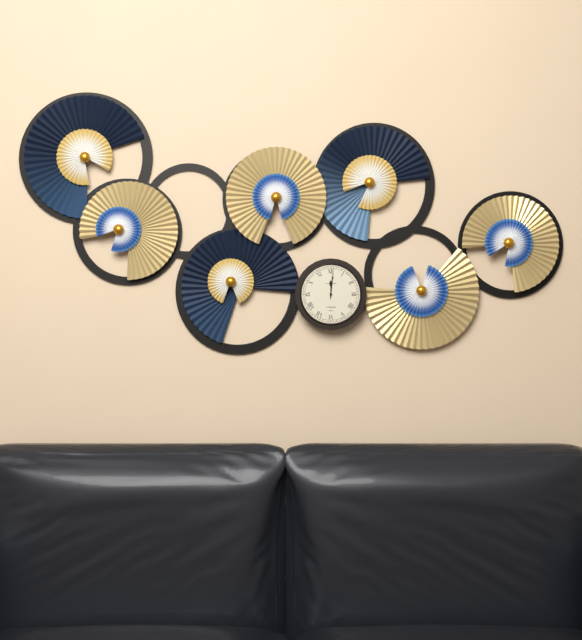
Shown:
h=12 m=1
